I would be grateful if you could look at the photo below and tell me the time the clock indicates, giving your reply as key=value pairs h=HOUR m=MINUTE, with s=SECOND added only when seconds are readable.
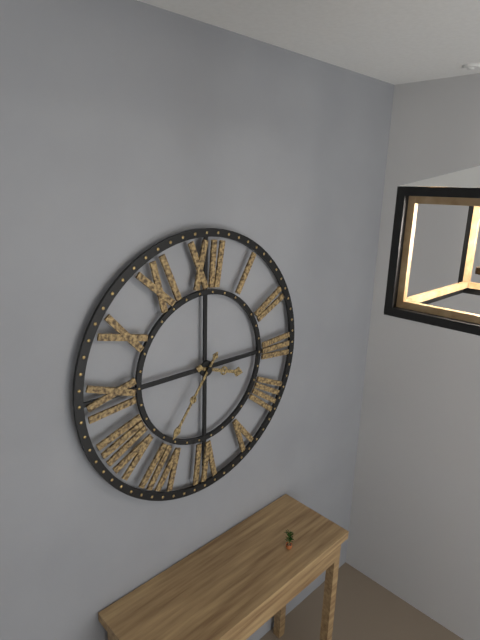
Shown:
h=3 m=36
